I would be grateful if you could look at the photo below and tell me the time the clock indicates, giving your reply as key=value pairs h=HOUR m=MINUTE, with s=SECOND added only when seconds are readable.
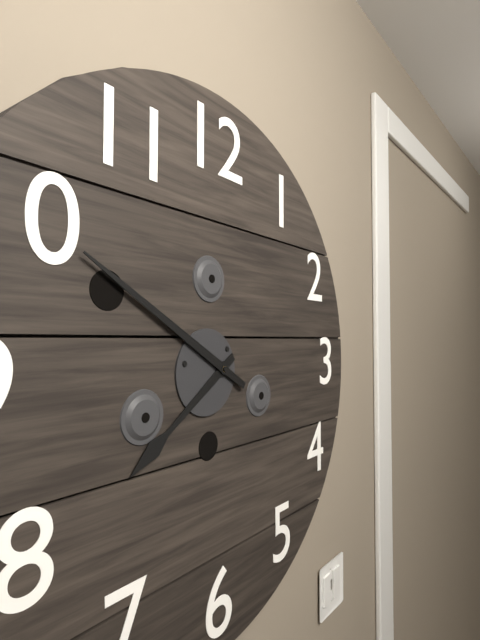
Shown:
h=7 m=50
